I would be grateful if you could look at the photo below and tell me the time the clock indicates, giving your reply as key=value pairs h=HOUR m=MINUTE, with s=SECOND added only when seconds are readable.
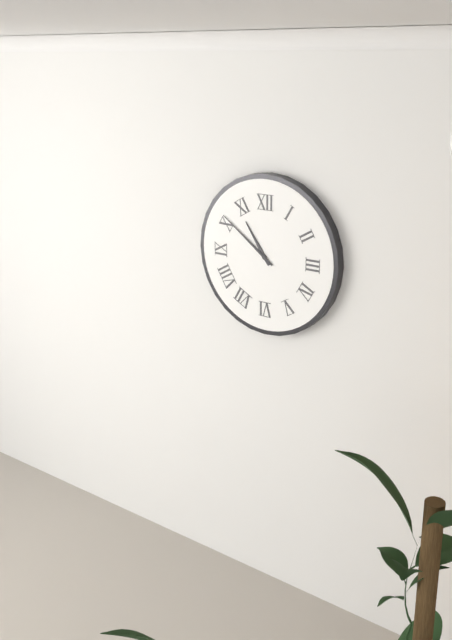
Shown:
h=10 m=51
